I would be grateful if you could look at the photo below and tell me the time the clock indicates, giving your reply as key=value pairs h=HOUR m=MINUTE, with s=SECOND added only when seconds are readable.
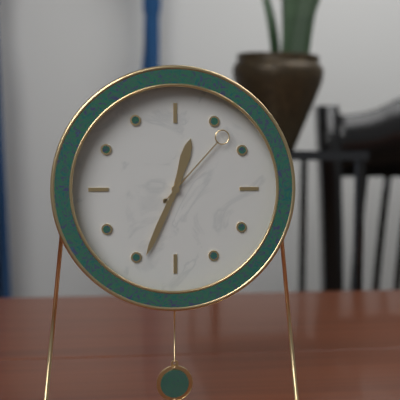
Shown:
h=12 m=34 s=7
